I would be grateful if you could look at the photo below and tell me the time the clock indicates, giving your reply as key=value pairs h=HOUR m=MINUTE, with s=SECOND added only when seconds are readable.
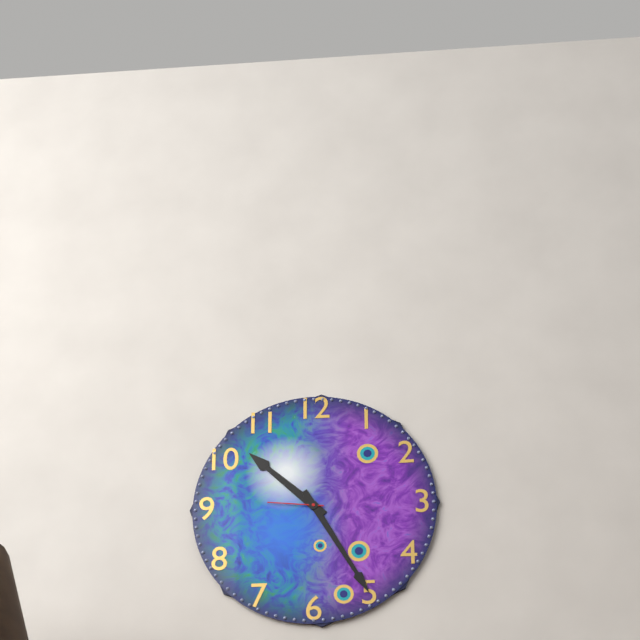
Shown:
h=10 m=25 s=46
